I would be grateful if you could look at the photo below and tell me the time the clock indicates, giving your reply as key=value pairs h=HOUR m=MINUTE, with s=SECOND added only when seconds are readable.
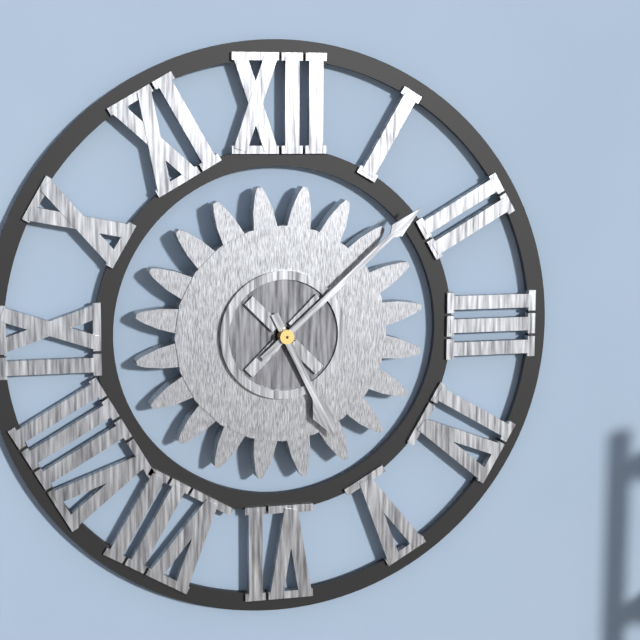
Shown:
h=5 m=8
